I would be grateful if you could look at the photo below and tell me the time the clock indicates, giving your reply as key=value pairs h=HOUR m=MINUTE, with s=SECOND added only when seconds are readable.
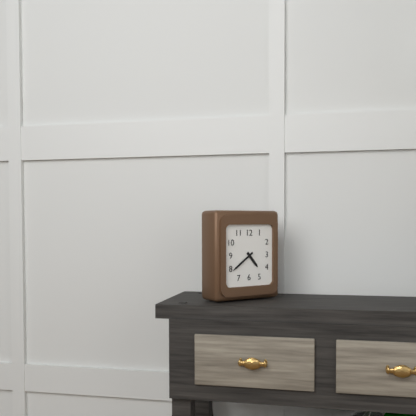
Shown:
h=4 m=39
